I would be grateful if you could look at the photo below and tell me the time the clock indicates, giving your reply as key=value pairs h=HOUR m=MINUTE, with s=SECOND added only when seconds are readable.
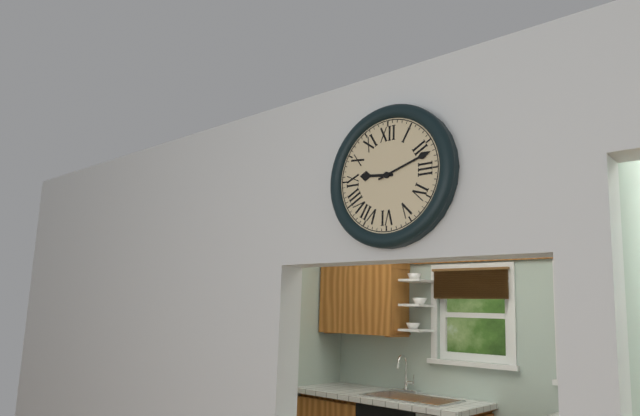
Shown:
h=9 m=12
